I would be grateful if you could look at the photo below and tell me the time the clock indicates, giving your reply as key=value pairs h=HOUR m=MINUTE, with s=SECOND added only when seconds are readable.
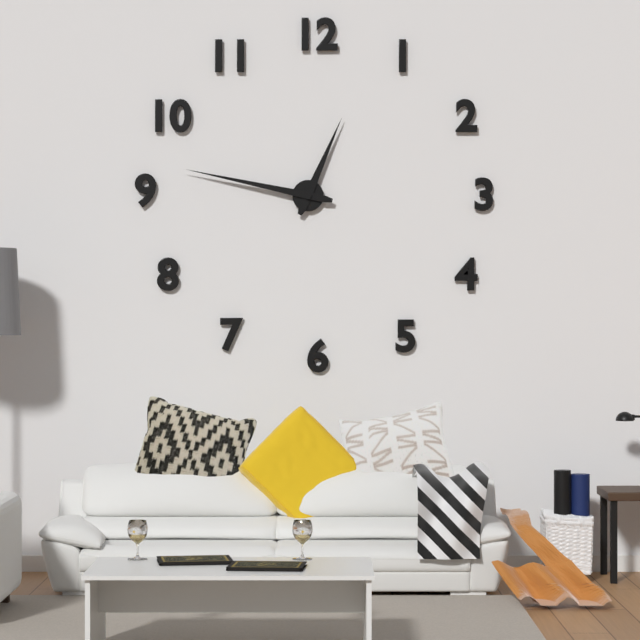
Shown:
h=12 m=47
